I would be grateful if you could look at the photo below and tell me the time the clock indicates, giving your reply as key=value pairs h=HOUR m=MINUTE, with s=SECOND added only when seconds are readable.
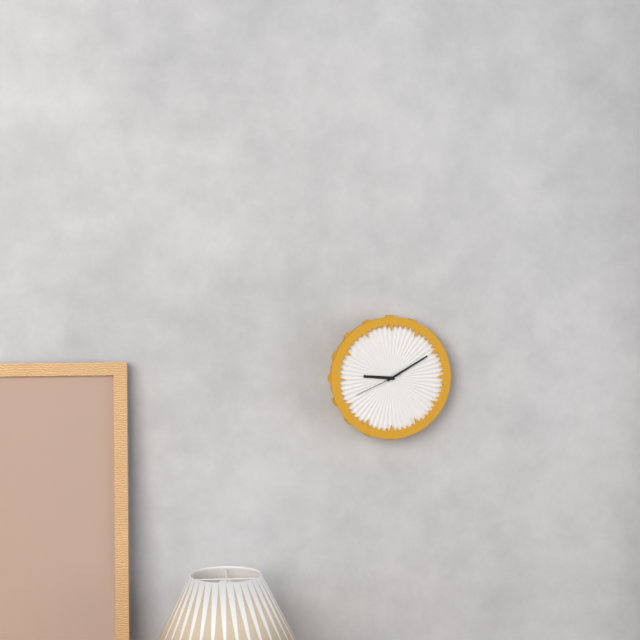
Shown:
h=9 m=10
